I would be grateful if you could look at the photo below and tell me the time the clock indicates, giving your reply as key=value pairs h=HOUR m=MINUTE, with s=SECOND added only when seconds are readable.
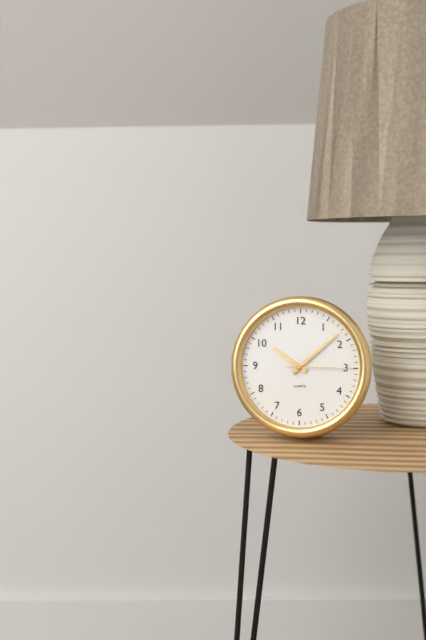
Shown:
h=10 m=8 s=15
